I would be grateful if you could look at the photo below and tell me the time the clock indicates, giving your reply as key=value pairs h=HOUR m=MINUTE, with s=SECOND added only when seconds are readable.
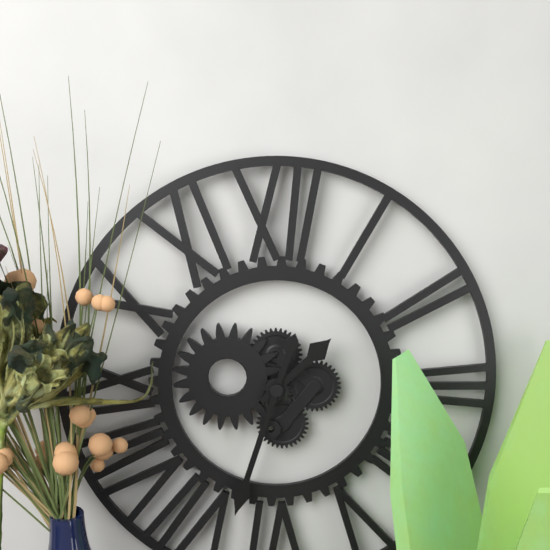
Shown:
h=1 m=33
